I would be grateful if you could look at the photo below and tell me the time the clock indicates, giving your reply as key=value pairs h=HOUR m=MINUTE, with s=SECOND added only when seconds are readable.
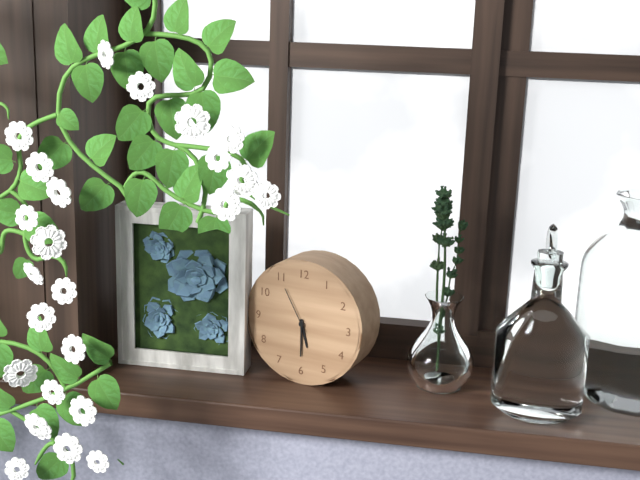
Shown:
h=5 m=30 s=55
